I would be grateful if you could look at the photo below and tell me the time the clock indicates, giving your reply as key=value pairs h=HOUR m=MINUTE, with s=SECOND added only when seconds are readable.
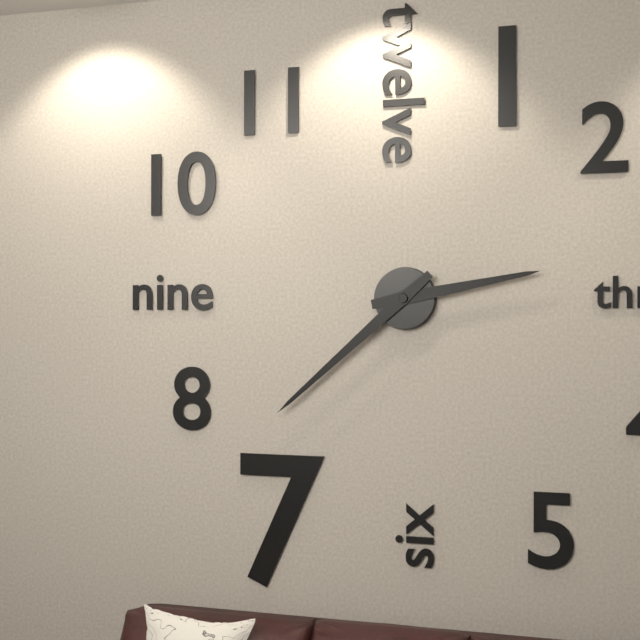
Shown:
h=2 m=38
